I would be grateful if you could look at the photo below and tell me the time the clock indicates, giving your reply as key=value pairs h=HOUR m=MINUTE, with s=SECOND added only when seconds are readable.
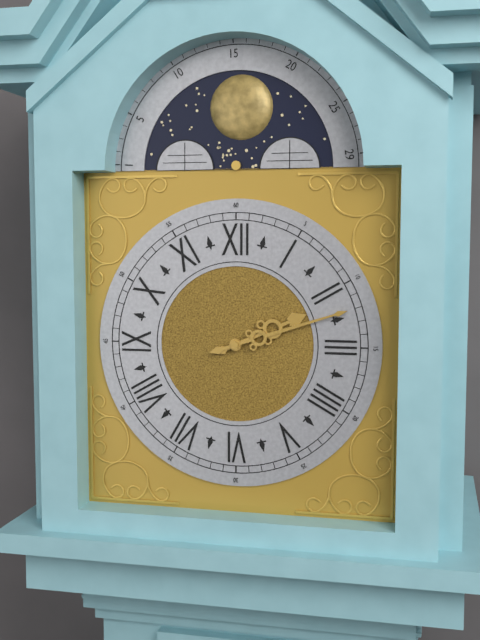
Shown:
h=2 m=12
